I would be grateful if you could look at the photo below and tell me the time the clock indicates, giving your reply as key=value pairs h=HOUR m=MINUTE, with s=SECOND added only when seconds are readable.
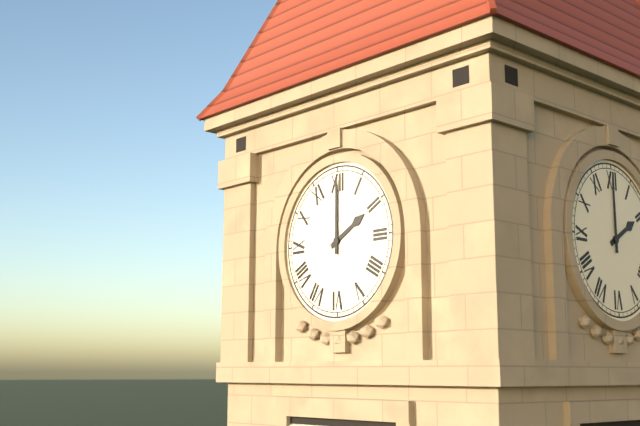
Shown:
h=2 m=0
